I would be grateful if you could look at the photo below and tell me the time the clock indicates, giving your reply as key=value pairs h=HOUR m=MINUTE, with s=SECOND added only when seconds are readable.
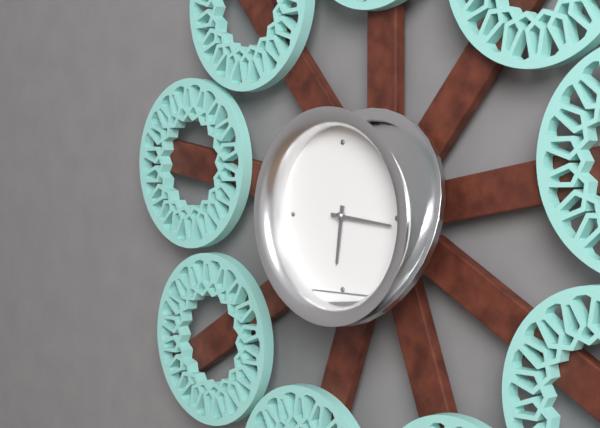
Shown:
h=6 m=16
